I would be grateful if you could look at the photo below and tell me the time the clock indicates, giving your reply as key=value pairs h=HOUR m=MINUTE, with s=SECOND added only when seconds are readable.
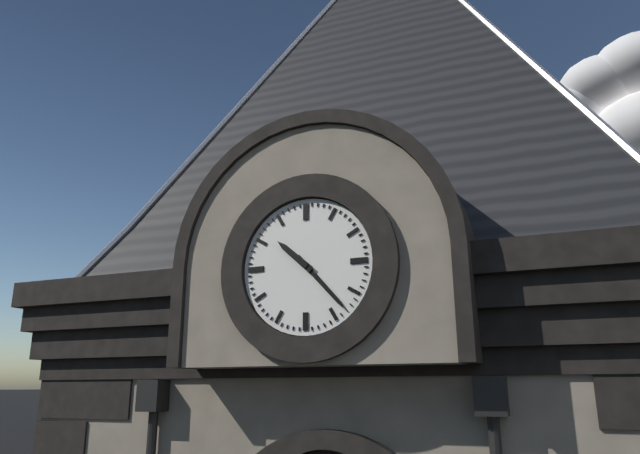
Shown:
h=10 m=23
